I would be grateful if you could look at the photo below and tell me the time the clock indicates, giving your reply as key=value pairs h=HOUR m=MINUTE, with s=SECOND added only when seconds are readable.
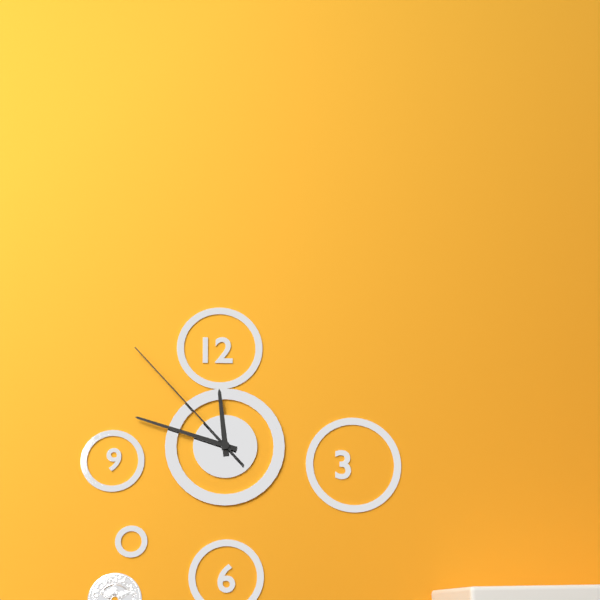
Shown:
h=11 m=48 s=53
